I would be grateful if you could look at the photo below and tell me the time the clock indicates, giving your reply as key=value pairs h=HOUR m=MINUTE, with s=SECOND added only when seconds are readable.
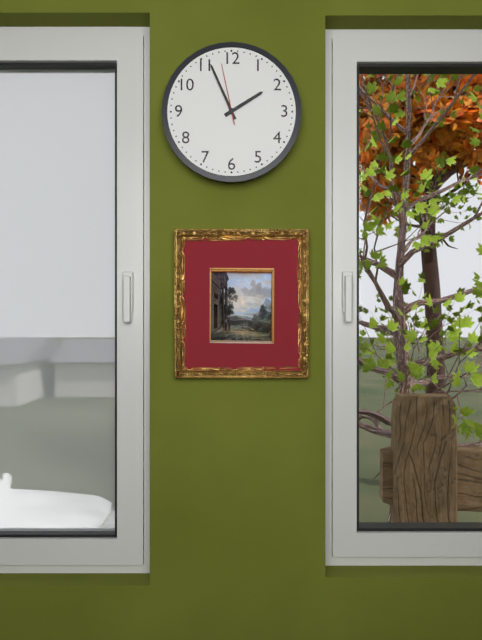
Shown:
h=1 m=56 s=58
